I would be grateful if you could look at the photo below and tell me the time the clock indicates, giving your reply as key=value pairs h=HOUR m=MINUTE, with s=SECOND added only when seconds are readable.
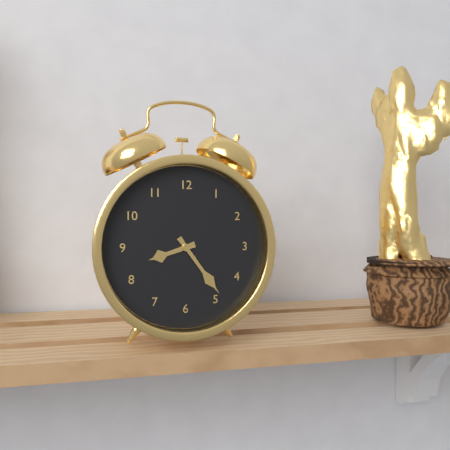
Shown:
h=8 m=24
